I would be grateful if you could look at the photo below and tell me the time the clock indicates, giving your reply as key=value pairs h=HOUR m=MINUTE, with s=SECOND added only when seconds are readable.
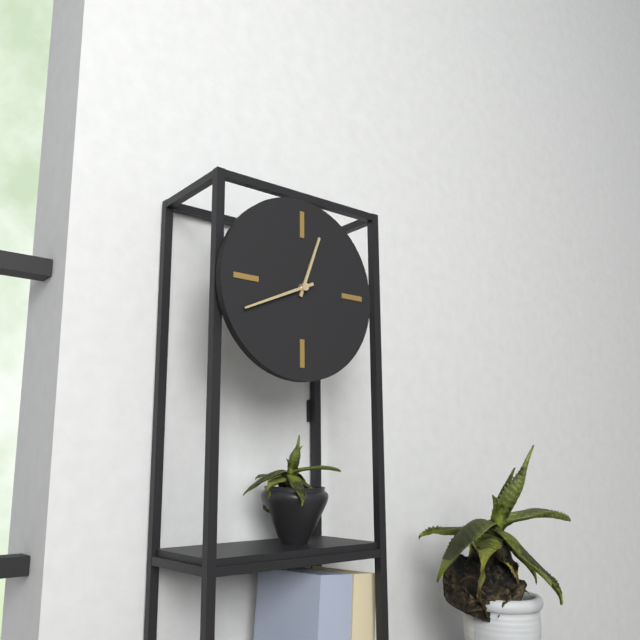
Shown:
h=12 m=41
